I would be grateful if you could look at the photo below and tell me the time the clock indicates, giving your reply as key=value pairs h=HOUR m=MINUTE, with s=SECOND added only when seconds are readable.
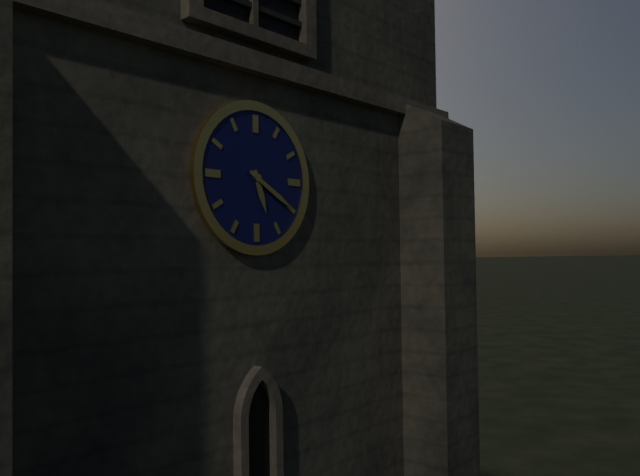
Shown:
h=5 m=20
